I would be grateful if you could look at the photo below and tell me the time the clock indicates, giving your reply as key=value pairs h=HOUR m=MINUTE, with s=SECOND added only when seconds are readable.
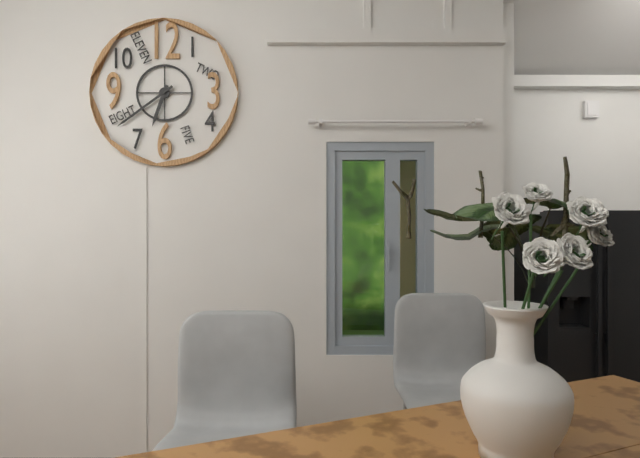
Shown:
h=6 m=39
